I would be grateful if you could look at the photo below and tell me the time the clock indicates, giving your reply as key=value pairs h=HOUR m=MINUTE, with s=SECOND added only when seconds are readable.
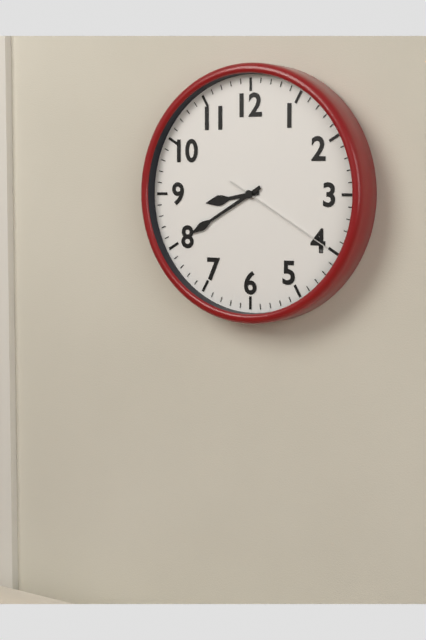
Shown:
h=8 m=40 s=20
